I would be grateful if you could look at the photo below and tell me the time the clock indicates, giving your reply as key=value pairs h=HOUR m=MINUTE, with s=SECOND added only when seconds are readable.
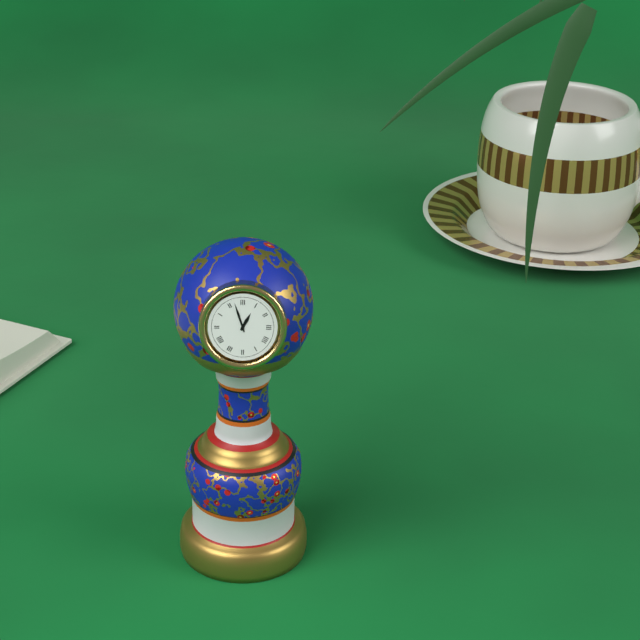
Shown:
h=12 m=57
